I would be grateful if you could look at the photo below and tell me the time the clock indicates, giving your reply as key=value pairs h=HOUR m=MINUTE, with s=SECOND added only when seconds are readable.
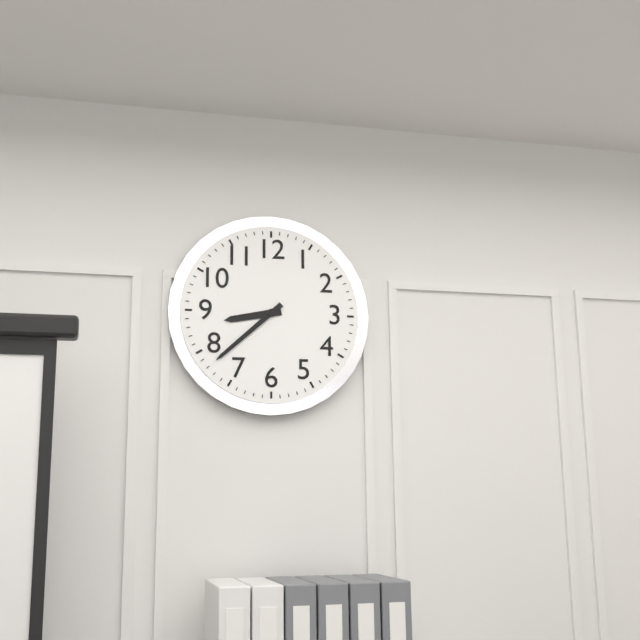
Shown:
h=8 m=38
